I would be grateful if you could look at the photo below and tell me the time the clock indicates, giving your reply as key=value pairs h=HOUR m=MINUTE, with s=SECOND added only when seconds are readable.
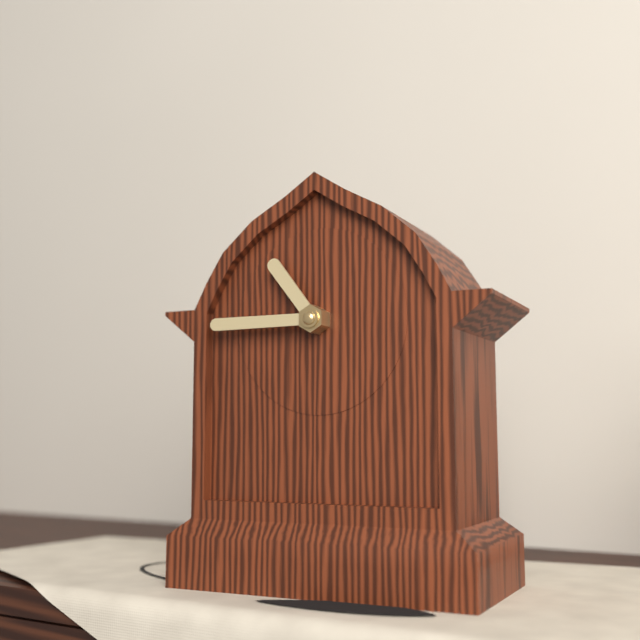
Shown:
h=10 m=45
